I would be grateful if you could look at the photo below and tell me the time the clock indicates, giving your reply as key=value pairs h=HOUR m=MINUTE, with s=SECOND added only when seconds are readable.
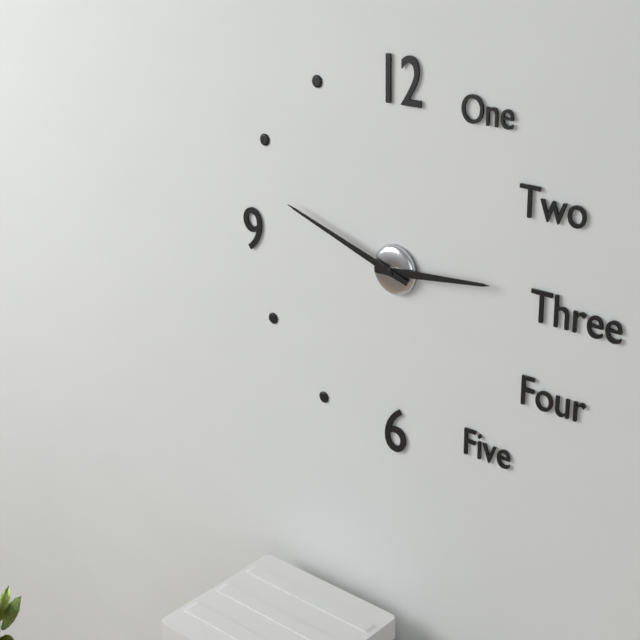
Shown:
h=2 m=48
